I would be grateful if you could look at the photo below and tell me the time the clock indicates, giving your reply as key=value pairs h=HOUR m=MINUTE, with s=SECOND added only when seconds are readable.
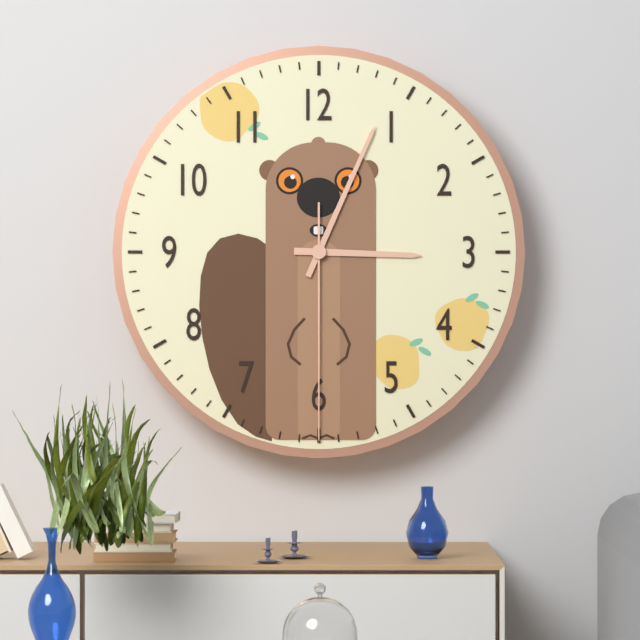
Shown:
h=3 m=4 s=30
